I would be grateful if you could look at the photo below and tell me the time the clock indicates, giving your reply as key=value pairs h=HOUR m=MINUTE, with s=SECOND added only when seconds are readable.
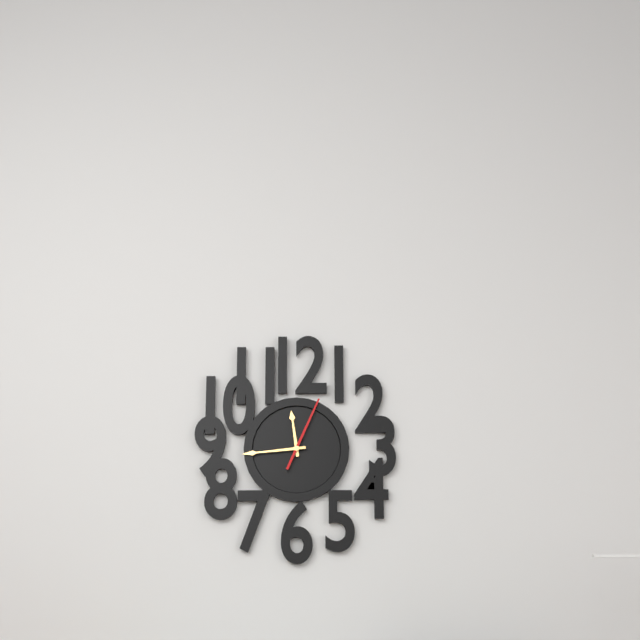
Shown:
h=11 m=44 s=4
